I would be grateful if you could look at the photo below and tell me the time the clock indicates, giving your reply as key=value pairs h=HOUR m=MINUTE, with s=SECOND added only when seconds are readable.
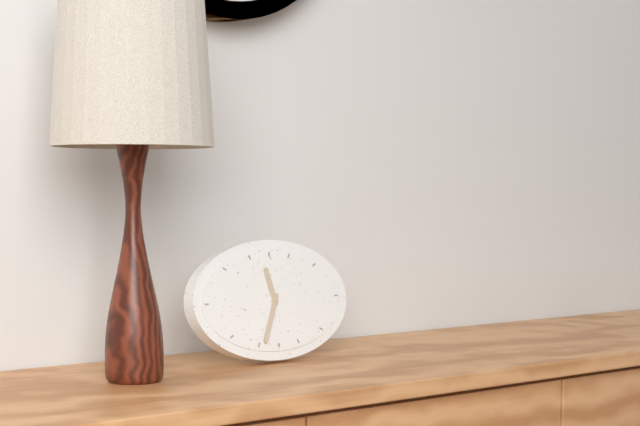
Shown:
h=11 m=34
